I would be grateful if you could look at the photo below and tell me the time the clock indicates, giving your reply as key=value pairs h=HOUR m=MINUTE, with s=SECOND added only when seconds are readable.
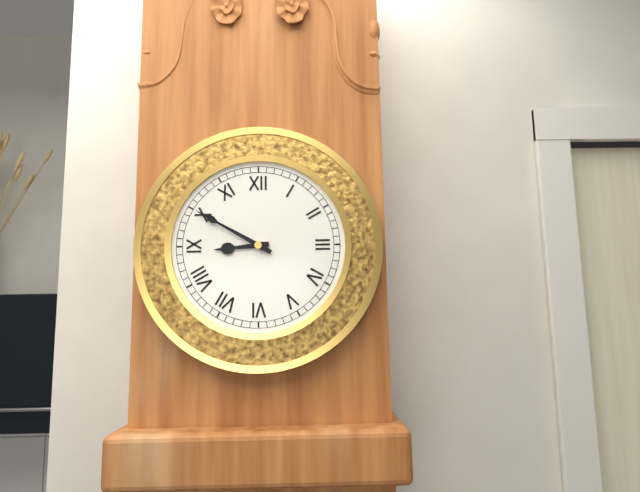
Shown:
h=8 m=50
